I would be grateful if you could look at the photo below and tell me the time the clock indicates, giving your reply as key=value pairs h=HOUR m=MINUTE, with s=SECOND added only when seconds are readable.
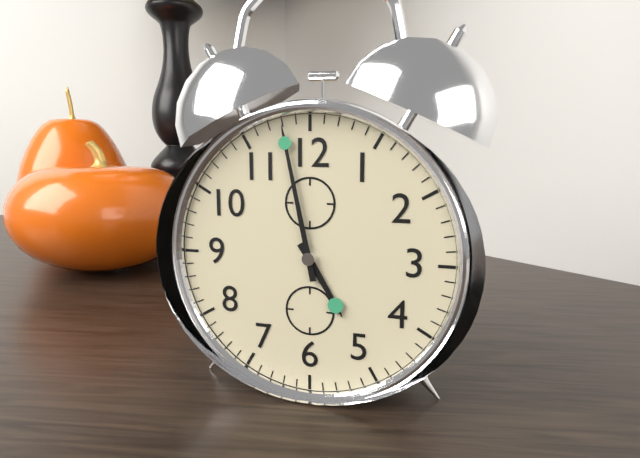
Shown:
h=4 m=58
